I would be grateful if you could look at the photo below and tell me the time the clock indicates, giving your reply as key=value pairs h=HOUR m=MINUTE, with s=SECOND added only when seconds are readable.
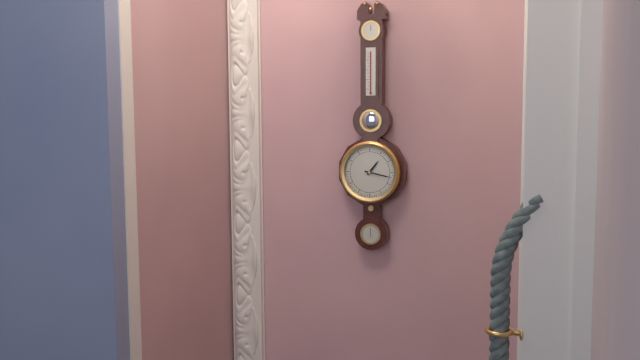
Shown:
h=1 m=17
